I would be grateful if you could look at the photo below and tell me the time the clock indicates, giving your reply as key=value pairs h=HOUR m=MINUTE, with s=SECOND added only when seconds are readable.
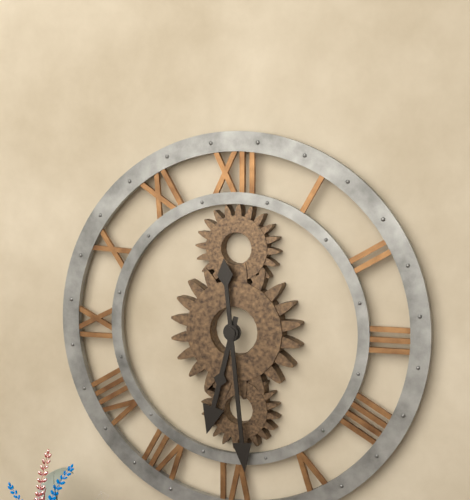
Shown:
h=6 m=29
